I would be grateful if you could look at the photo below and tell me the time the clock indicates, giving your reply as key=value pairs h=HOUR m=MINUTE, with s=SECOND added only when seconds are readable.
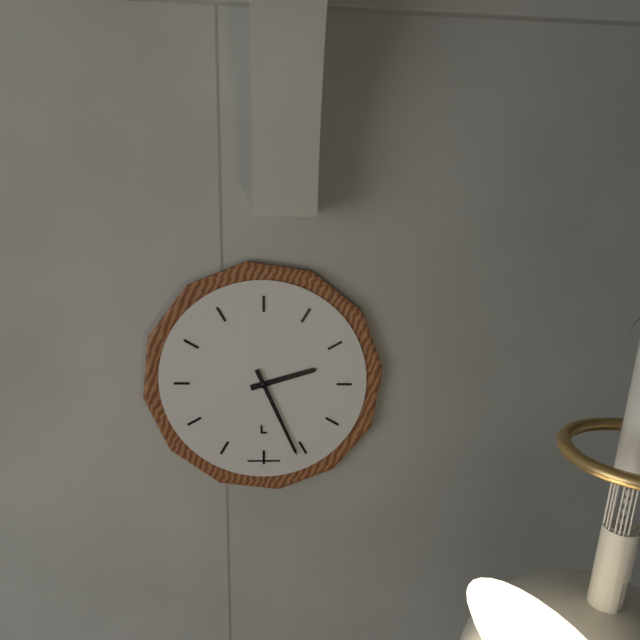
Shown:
h=2 m=26
